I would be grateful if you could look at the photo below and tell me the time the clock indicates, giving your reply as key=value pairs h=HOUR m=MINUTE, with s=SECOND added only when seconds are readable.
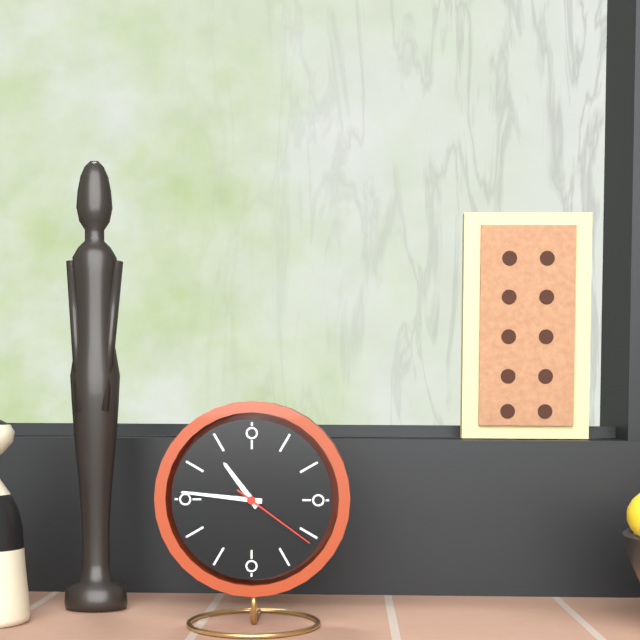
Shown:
h=10 m=46 s=21
